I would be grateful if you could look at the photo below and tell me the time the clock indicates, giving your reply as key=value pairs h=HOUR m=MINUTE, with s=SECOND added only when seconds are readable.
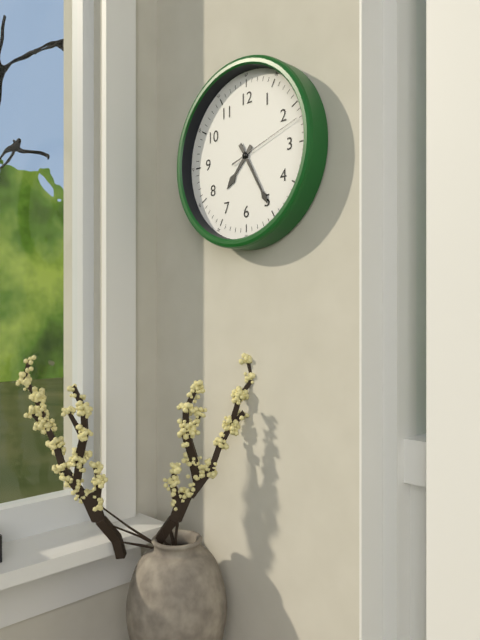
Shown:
h=7 m=25 s=12
